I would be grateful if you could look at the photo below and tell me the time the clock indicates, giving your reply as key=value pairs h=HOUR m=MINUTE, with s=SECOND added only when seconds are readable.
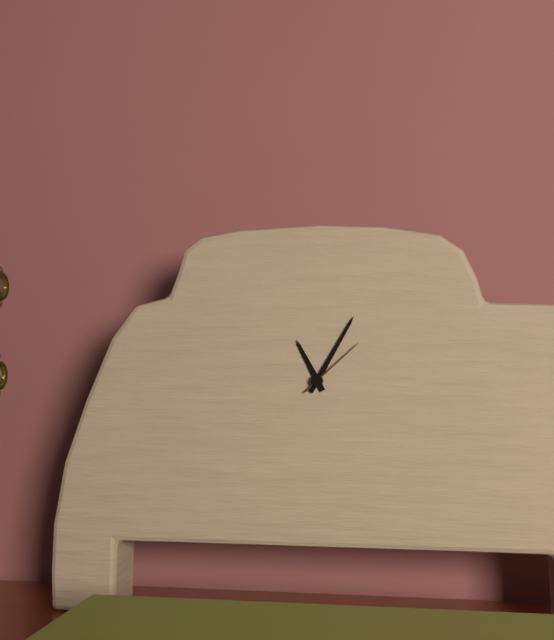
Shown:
h=11 m=5 s=8
